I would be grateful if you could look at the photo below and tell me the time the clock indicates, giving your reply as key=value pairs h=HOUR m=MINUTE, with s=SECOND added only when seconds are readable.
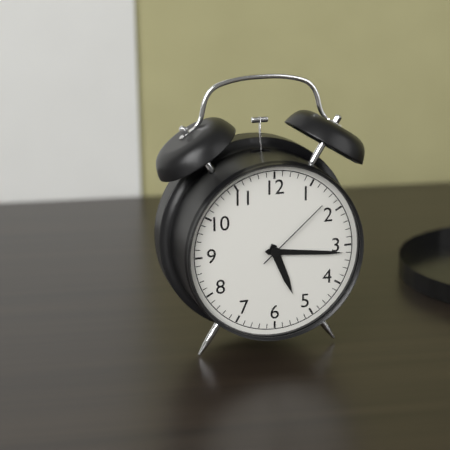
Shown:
h=5 m=16 s=8
